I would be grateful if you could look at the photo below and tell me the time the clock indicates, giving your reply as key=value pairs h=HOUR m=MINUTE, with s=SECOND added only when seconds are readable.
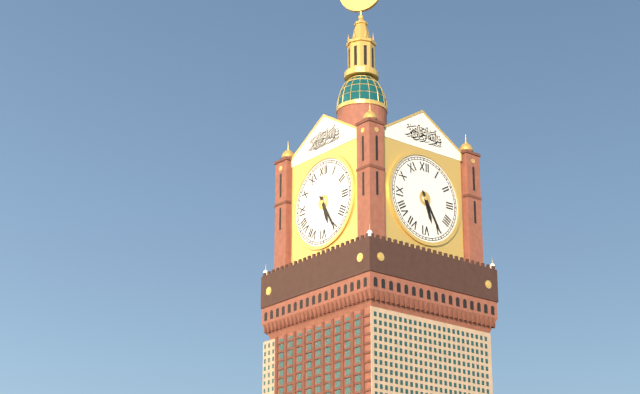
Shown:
h=5 m=25
